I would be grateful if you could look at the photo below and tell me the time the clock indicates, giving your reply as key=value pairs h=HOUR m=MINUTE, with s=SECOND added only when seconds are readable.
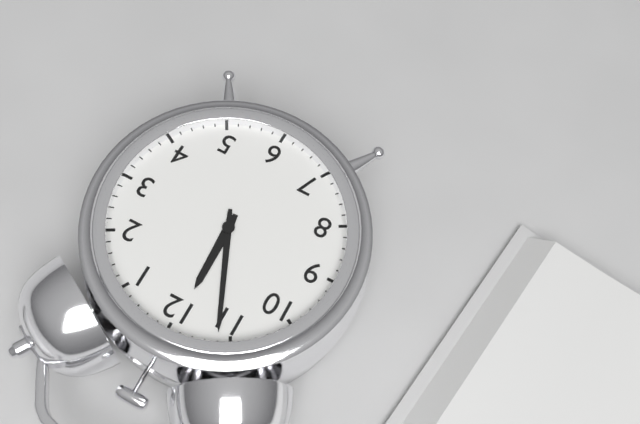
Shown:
h=11 m=56
